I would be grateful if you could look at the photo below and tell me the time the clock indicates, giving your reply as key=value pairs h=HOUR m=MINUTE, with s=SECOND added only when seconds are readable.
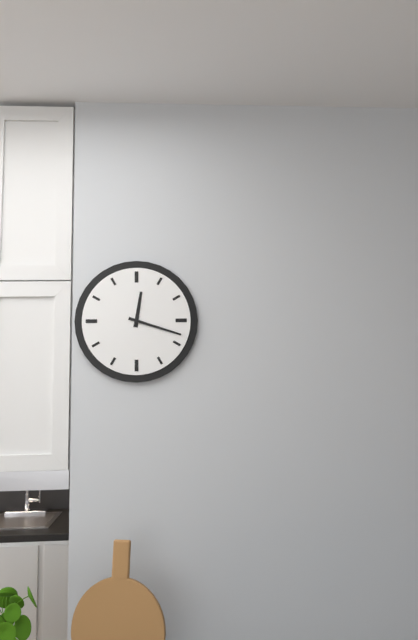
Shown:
h=12 m=18
